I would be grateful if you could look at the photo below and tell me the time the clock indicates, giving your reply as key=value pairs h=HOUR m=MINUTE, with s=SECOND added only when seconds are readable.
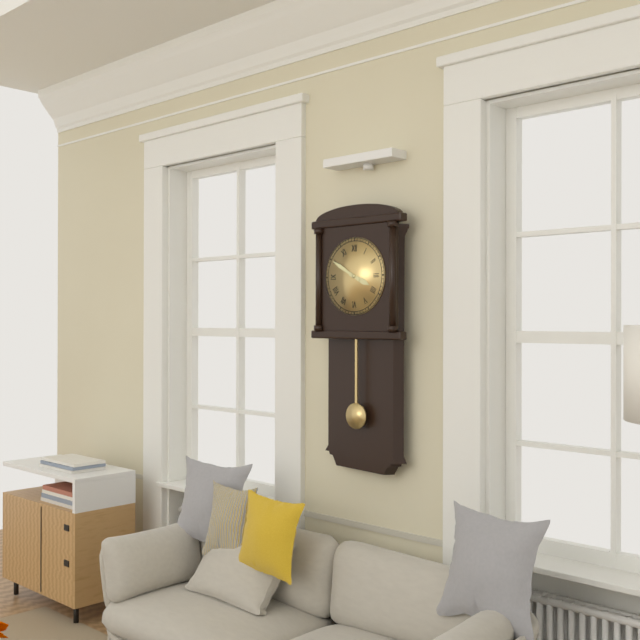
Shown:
h=3 m=50
